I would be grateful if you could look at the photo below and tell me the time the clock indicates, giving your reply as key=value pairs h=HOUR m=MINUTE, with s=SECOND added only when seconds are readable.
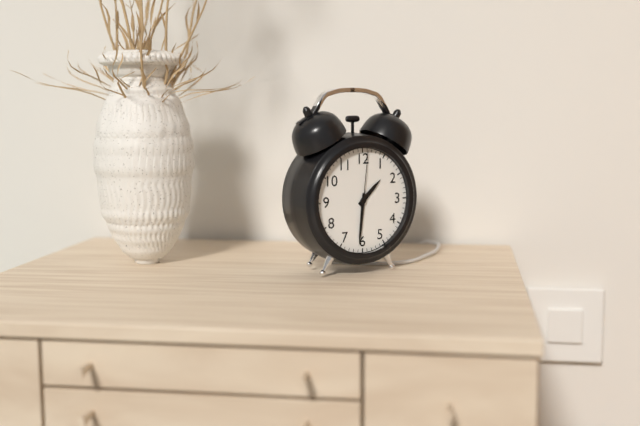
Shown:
h=1 m=31 s=1
